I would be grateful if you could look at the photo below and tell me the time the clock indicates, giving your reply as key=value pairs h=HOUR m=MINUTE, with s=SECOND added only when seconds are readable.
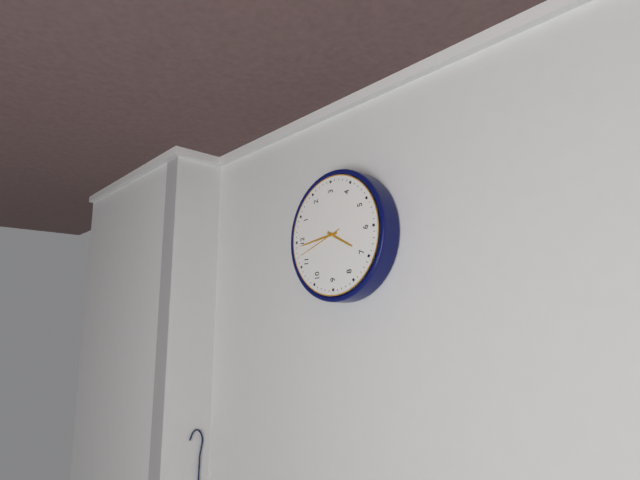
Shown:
h=6 m=59
